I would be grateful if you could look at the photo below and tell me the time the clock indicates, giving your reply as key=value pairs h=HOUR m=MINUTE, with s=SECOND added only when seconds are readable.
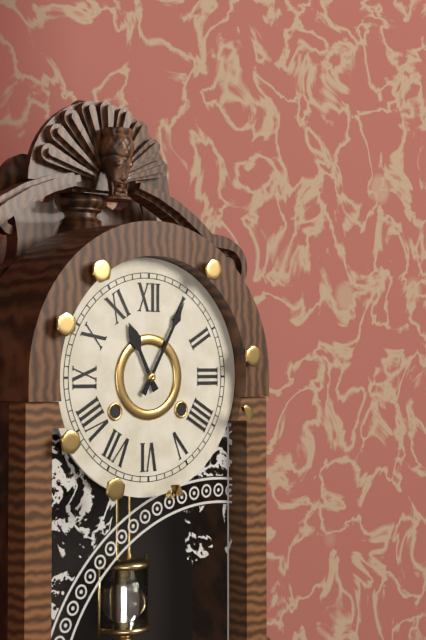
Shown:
h=11 m=5
